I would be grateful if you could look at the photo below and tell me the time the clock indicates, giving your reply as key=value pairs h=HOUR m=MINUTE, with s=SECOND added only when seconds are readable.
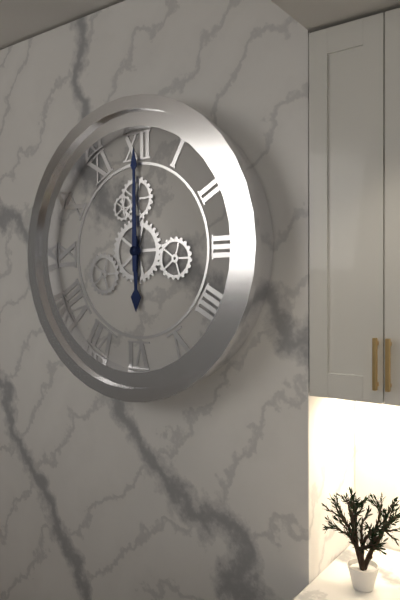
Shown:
h=6 m=0
